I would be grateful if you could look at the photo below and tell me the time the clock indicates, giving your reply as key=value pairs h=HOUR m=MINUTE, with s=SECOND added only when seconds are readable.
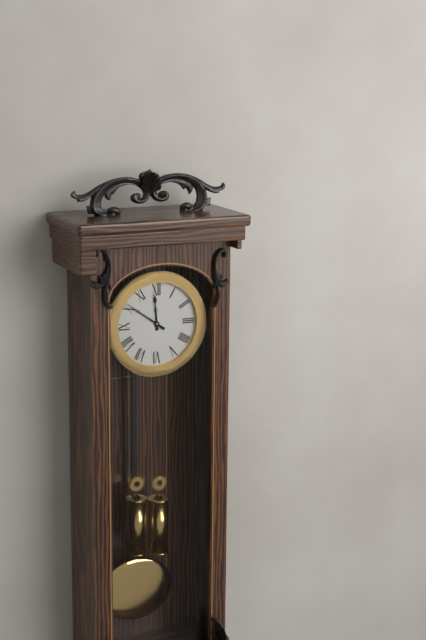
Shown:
h=11 m=51
